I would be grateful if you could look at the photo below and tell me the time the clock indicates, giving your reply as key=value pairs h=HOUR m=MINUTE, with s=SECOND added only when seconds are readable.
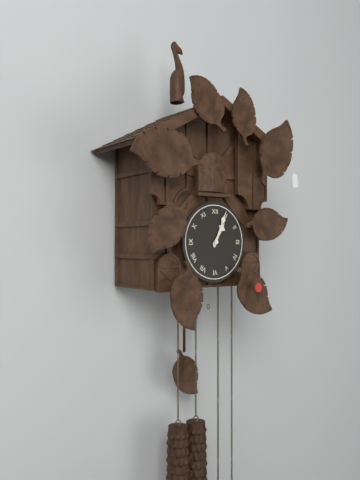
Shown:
h=1 m=4
